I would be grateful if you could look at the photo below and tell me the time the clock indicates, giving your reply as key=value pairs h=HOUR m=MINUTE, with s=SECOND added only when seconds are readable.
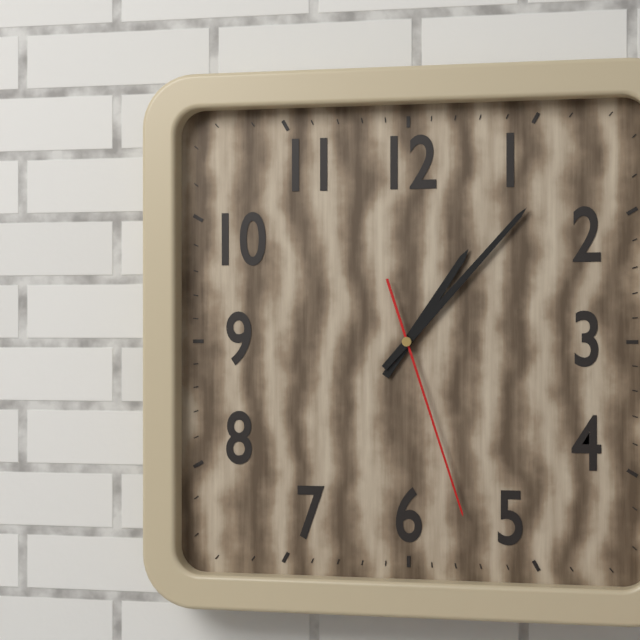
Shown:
h=1 m=7 s=27
